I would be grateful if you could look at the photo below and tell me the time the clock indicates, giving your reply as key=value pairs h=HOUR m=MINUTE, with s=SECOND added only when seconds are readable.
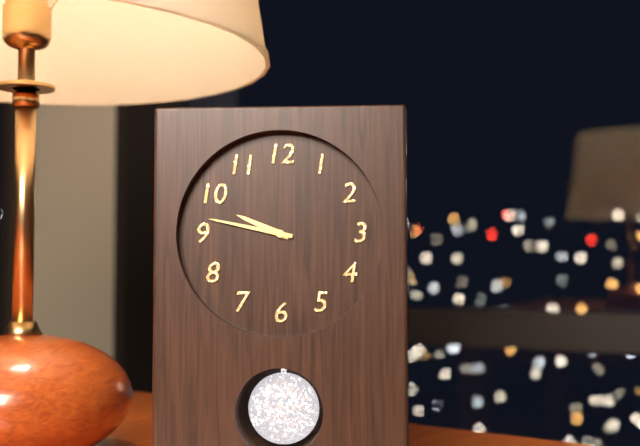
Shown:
h=9 m=47
